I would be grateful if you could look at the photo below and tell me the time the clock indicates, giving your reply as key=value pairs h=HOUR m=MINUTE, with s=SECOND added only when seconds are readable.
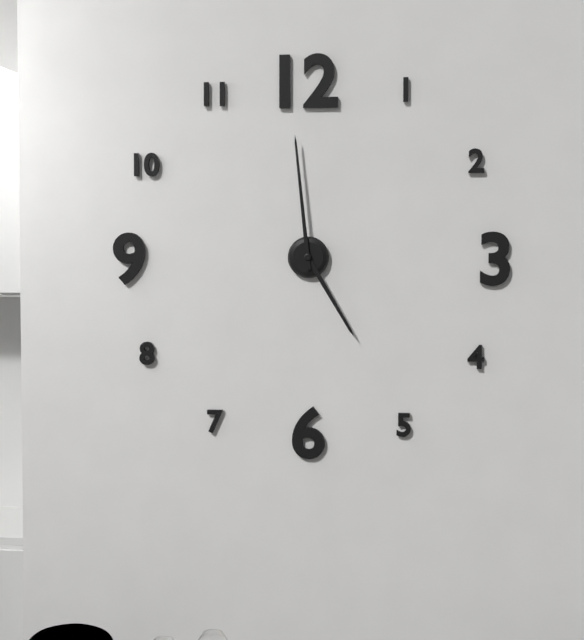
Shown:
h=4 m=59
